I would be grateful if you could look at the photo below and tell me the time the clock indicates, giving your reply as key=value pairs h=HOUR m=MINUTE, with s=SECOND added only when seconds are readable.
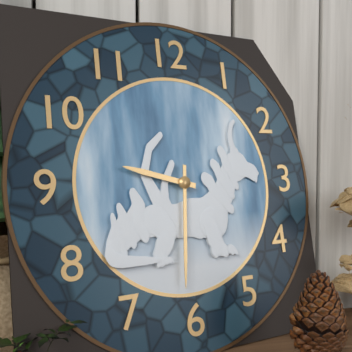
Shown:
h=9 m=31
